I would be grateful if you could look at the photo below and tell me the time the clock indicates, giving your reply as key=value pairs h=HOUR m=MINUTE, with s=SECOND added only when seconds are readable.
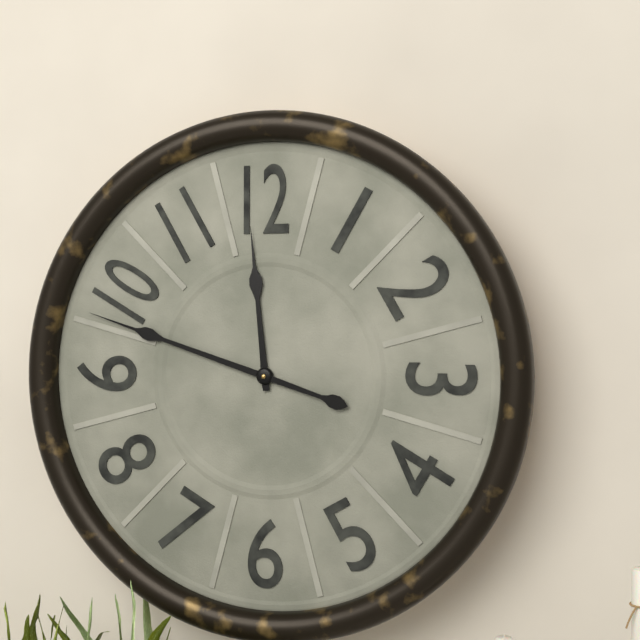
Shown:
h=11 m=48
